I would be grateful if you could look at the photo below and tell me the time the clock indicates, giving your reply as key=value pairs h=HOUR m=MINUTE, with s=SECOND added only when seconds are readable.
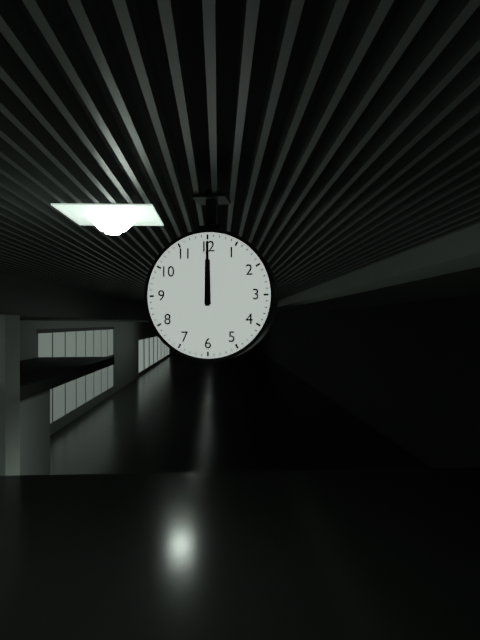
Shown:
h=12 m=0
